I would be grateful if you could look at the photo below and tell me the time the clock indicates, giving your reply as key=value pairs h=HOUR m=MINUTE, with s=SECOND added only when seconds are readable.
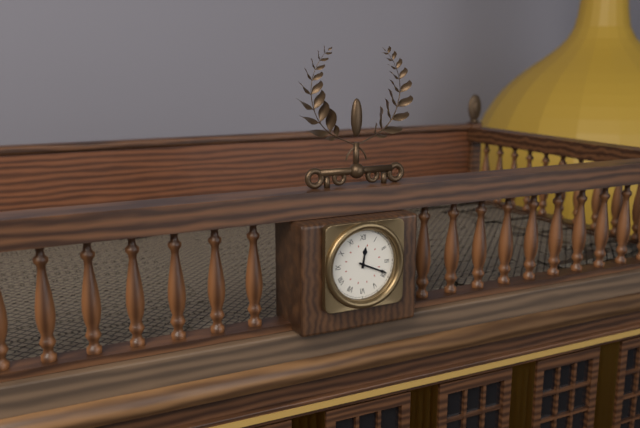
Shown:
h=12 m=19
